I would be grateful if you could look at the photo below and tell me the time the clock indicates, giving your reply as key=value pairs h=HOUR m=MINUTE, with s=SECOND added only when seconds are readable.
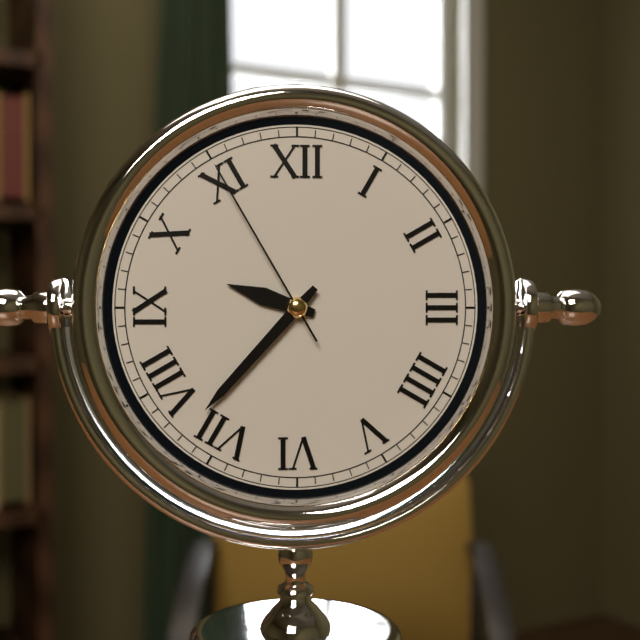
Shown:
h=9 m=37 s=55
